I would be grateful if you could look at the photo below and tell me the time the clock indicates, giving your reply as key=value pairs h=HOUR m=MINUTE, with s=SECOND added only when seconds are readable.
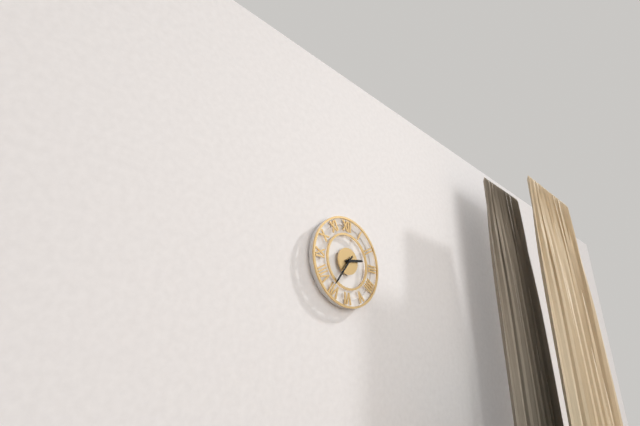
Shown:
h=2 m=36
